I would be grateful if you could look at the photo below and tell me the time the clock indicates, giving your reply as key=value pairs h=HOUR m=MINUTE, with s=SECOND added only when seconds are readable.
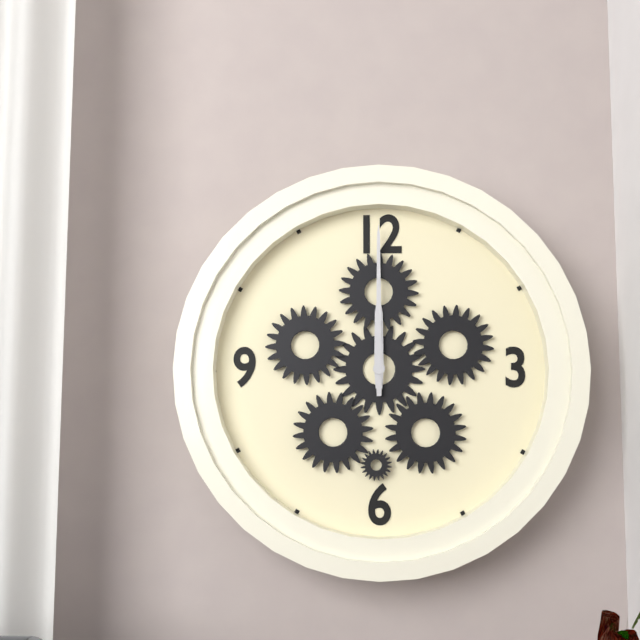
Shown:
h=12 m=0
